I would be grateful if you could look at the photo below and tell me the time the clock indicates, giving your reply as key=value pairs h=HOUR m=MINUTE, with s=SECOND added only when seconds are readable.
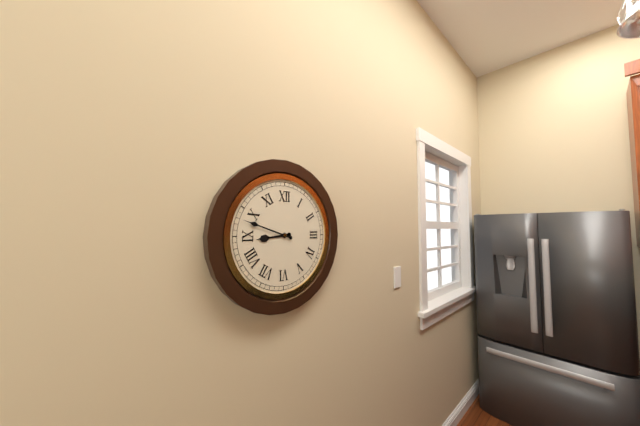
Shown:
h=8 m=48
